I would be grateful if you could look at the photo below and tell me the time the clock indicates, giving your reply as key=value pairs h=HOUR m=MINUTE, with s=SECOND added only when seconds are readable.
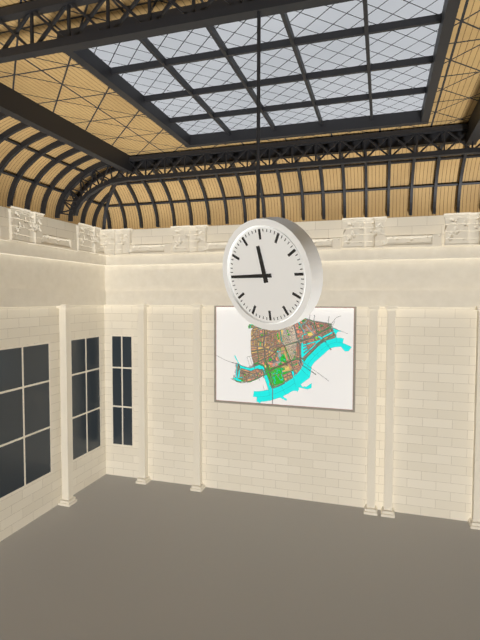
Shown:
h=11 m=45
